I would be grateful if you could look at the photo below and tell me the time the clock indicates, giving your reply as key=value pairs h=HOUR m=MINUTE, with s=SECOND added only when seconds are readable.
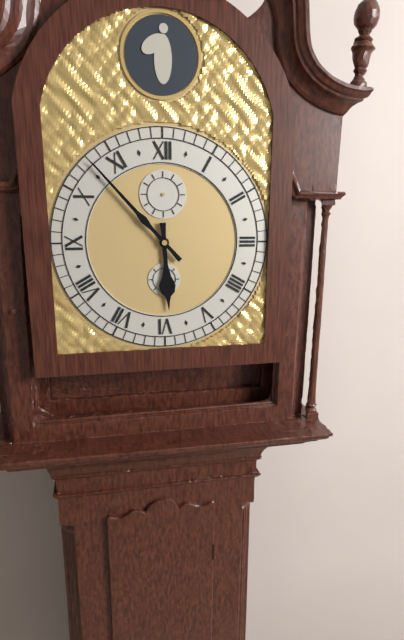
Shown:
h=5 m=53
